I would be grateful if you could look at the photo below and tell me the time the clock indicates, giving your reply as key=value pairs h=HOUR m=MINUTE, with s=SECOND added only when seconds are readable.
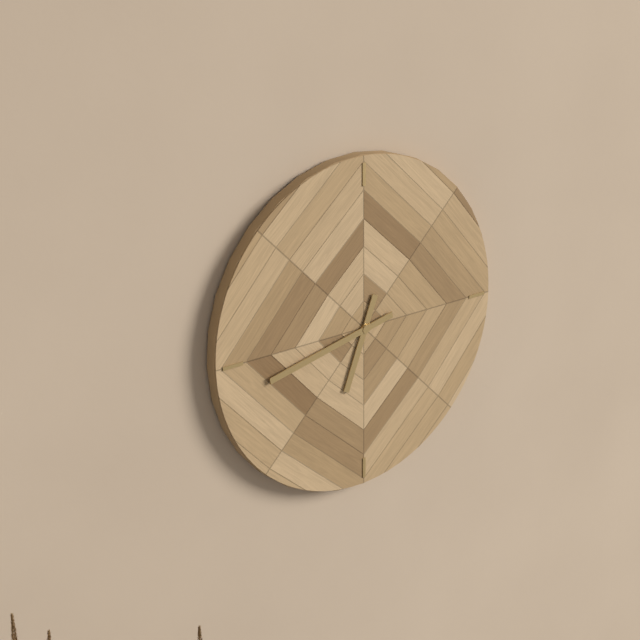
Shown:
h=6 m=43
